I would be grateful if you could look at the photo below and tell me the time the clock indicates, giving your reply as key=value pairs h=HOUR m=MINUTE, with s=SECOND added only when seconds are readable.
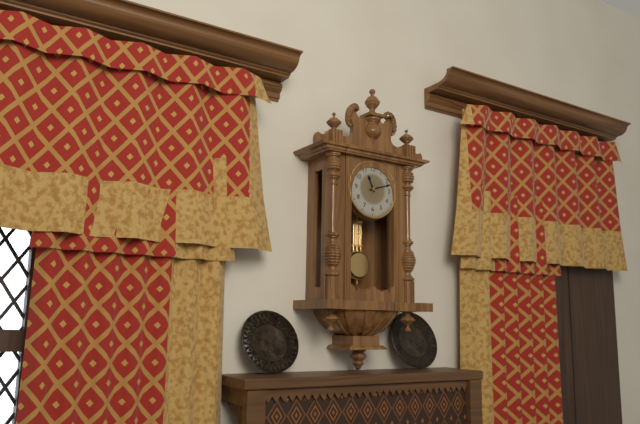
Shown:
h=11 m=12
